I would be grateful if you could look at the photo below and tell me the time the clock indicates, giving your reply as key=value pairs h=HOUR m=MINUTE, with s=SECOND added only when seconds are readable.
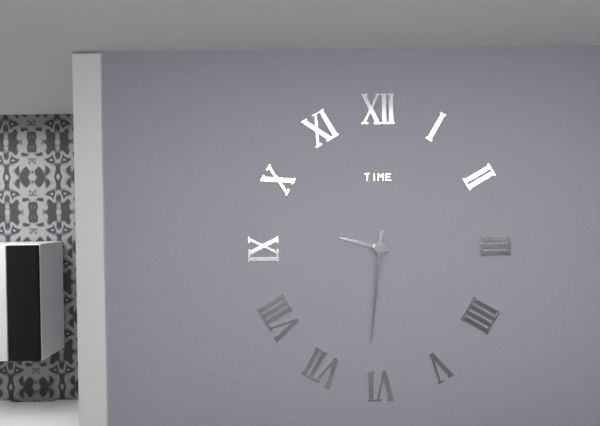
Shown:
h=9 m=31
